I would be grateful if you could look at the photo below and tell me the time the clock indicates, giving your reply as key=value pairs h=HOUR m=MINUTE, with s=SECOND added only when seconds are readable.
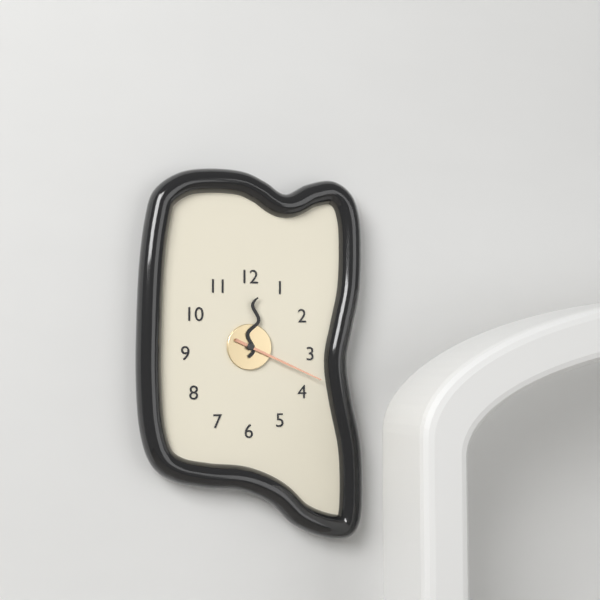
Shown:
h=12 m=19
